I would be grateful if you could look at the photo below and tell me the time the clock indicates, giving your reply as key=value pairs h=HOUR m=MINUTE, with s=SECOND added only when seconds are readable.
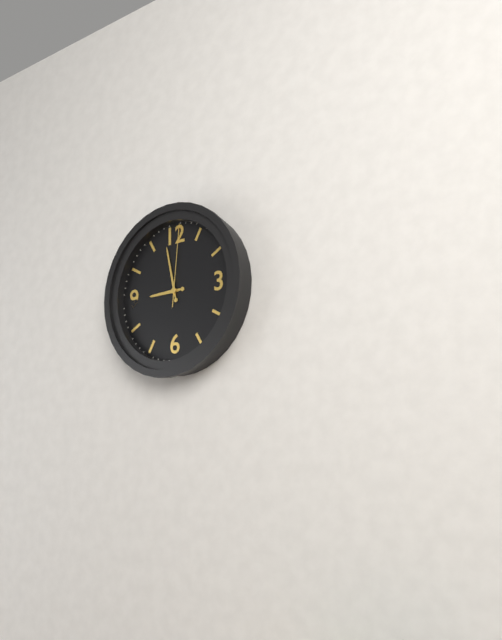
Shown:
h=8 m=58 s=1
